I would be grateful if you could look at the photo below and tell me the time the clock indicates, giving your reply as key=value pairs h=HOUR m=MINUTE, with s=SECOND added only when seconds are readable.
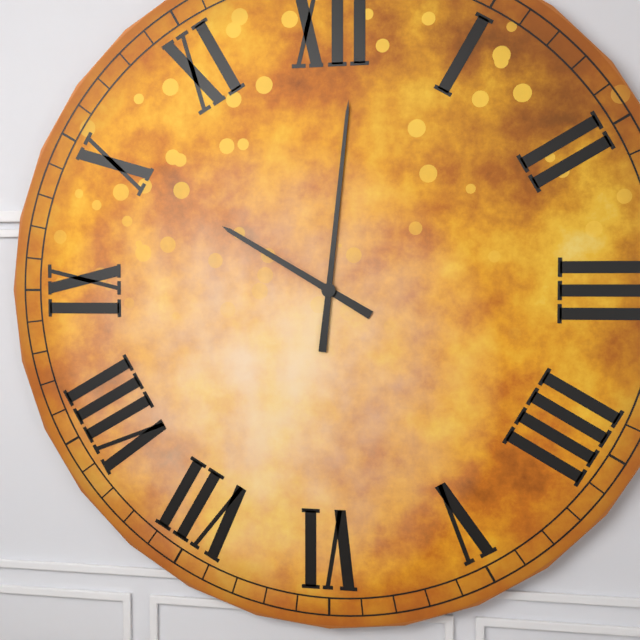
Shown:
h=10 m=1
